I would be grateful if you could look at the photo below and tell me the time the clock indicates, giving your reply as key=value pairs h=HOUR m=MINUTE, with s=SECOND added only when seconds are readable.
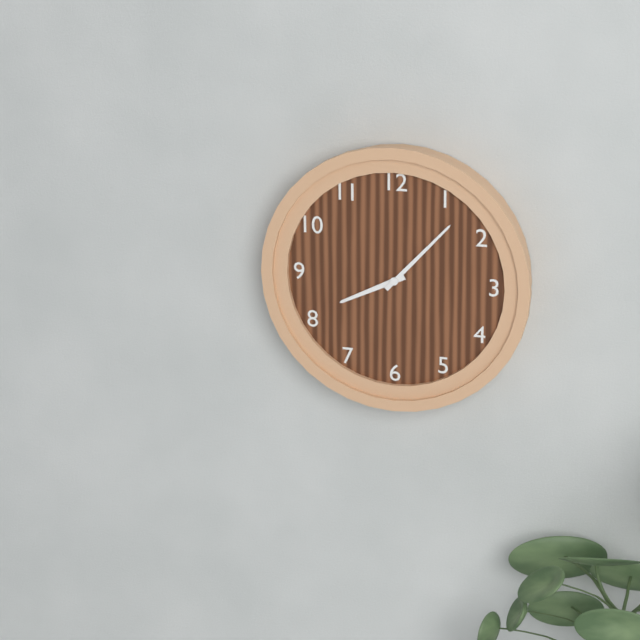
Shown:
h=8 m=7
